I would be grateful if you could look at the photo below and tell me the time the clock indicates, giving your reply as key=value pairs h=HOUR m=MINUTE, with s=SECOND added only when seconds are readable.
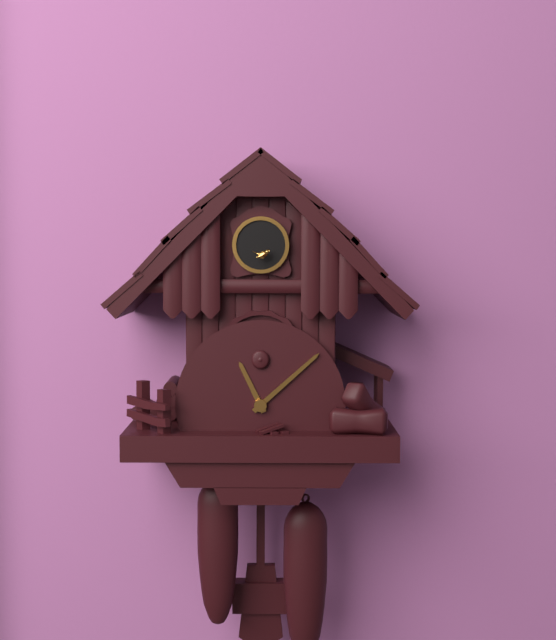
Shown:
h=11 m=8
